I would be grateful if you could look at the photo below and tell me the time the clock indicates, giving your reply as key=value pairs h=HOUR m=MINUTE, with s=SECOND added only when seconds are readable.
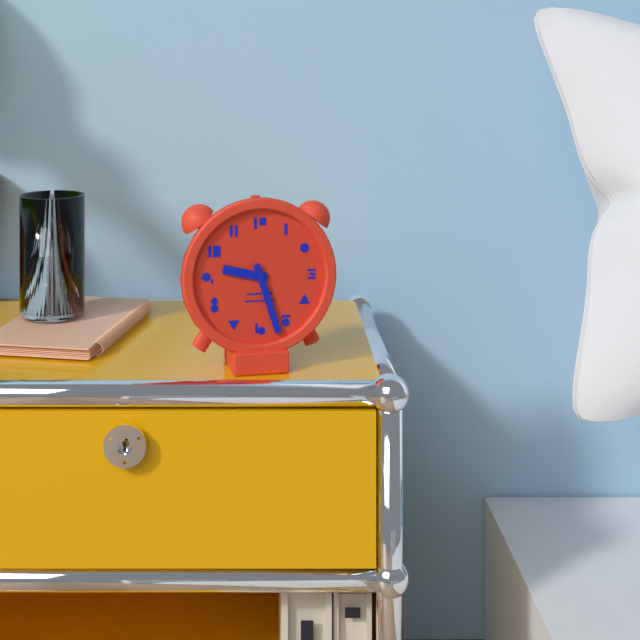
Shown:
h=9 m=27
